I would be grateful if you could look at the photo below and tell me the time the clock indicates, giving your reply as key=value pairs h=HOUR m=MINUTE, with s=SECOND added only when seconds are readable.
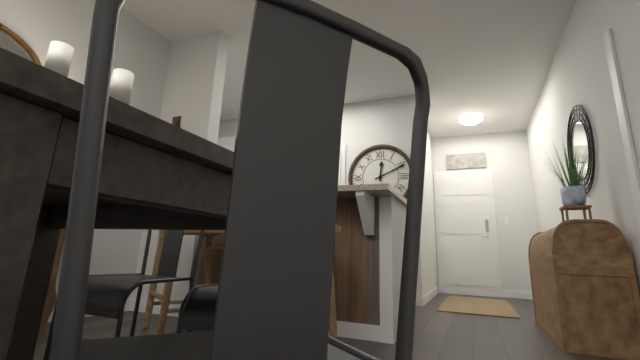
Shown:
h=12 m=11
